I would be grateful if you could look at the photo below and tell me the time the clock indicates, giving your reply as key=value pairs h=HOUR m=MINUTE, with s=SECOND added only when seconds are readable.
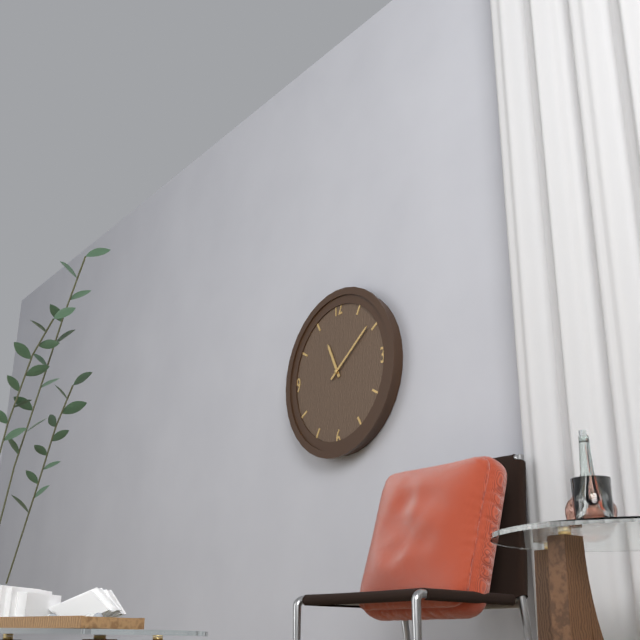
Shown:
h=11 m=9
